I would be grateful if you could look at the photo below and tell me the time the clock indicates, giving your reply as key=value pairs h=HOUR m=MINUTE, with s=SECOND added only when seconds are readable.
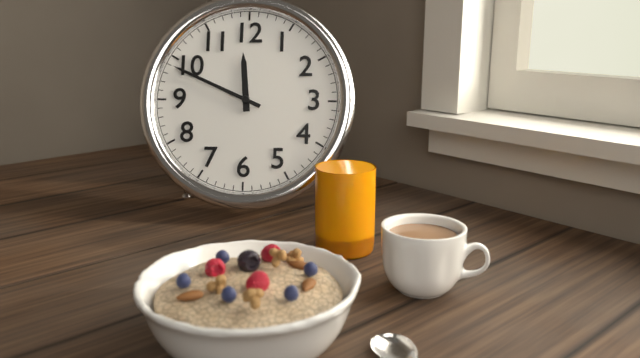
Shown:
h=11 m=49
